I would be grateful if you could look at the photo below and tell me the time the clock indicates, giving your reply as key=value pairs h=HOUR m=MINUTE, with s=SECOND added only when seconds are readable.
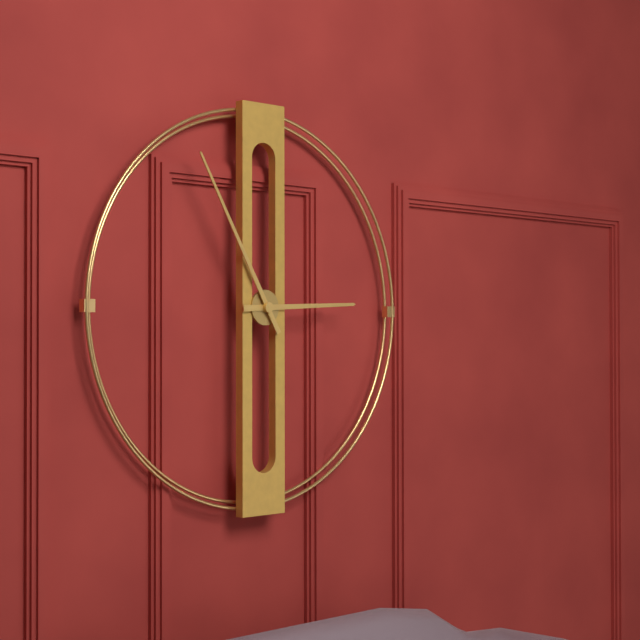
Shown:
h=2 m=55
